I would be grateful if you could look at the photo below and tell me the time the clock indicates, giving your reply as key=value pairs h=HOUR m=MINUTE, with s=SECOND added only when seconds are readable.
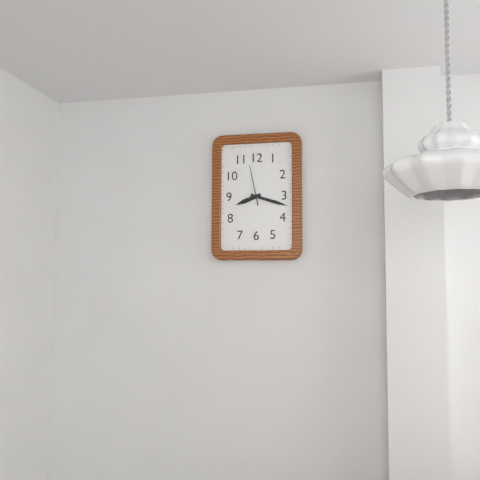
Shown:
h=8 m=18
